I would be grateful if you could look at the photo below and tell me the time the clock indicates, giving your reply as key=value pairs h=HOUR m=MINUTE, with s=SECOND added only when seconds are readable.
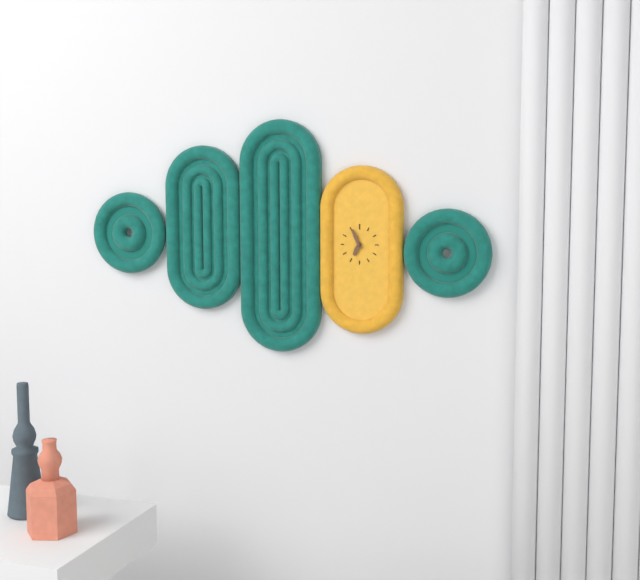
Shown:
h=6 m=56
